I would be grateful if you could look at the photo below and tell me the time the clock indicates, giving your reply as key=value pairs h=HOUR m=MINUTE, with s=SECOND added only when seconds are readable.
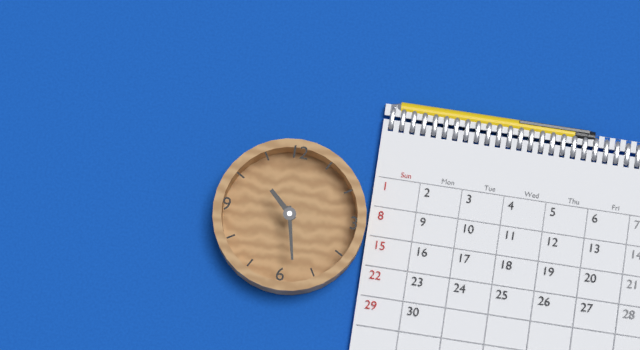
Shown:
h=10 m=28
